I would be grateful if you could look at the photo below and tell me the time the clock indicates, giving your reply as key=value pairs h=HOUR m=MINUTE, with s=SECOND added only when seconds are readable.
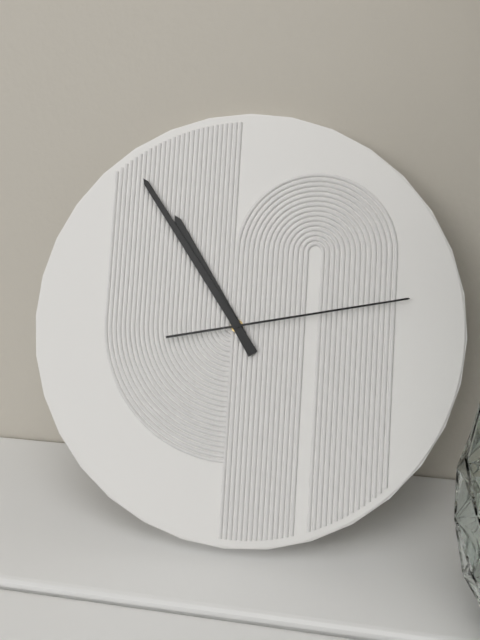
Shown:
h=10 m=54 s=13
